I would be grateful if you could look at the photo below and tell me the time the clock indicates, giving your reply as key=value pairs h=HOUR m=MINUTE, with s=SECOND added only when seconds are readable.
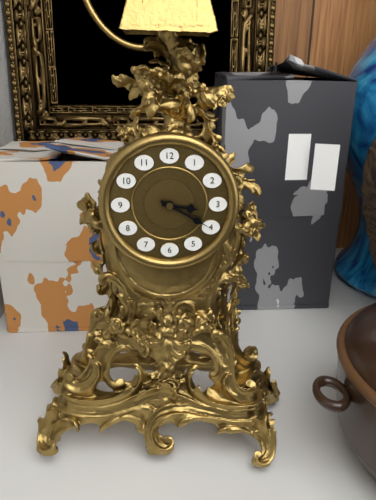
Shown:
h=3 m=20
